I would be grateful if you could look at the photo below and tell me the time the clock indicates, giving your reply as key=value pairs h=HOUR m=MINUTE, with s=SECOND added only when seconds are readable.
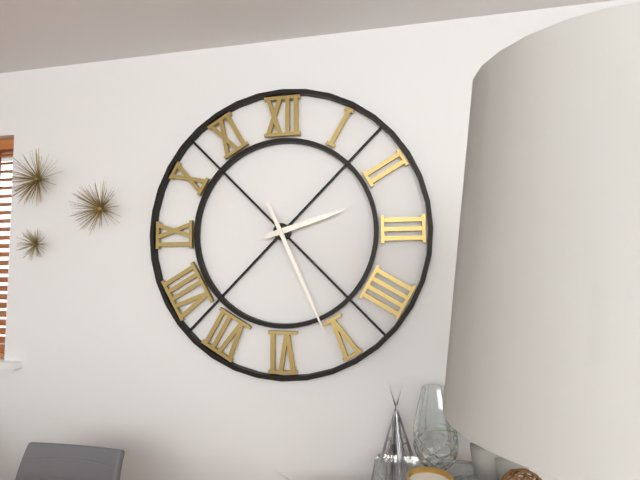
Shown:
h=2 m=26
